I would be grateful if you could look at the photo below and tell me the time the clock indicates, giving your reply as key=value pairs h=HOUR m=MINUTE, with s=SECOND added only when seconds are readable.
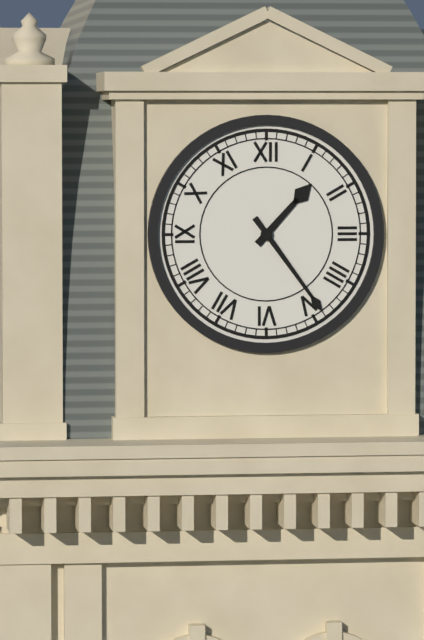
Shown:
h=1 m=24
